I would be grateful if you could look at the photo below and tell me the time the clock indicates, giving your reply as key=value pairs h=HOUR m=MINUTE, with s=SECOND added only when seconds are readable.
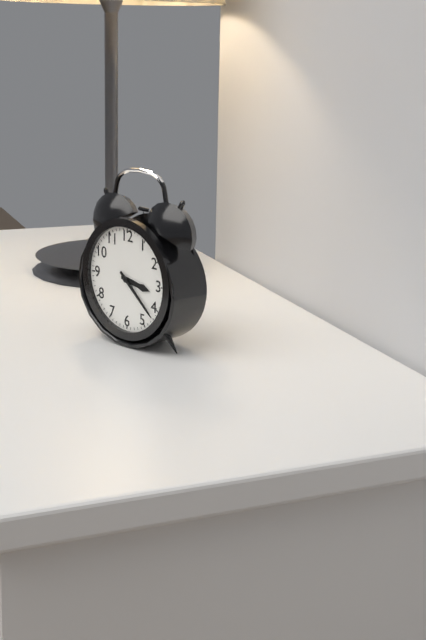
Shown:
h=3 m=22
